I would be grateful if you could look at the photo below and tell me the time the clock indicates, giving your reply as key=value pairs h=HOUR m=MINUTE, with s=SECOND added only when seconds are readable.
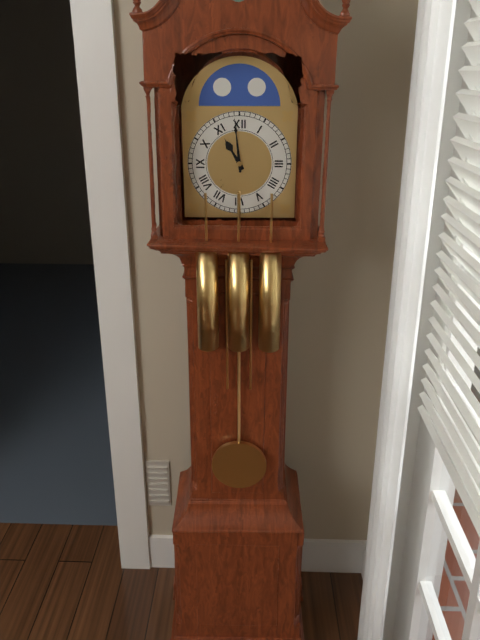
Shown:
h=10 m=59
